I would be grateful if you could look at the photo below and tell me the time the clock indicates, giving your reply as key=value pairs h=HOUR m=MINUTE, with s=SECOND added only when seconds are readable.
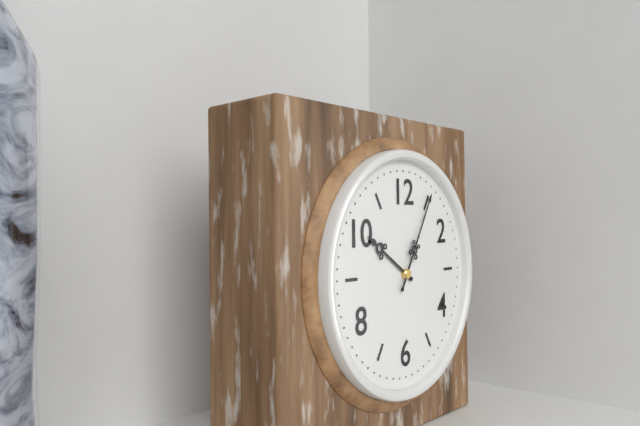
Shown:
h=10 m=5
